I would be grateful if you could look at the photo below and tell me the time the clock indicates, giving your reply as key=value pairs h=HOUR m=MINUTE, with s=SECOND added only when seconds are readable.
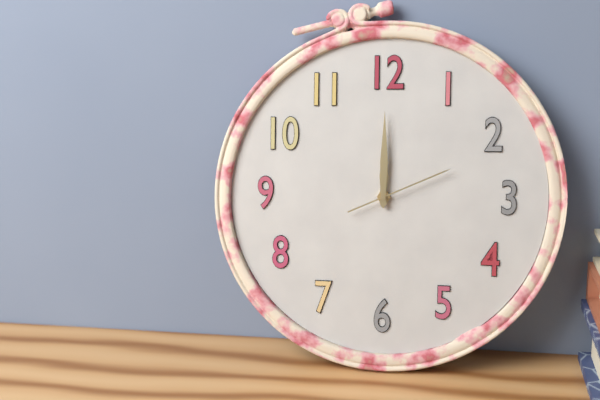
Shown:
h=12 m=0 s=11
